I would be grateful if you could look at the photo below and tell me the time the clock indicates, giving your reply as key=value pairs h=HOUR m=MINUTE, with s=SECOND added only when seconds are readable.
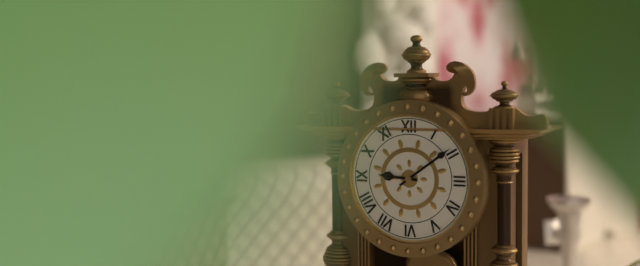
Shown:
h=9 m=9
